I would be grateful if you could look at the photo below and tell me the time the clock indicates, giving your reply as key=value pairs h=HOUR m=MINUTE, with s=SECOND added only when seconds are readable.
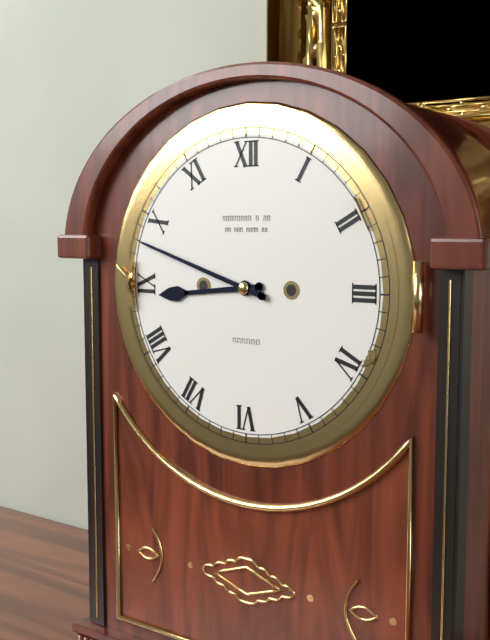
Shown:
h=8 m=48
